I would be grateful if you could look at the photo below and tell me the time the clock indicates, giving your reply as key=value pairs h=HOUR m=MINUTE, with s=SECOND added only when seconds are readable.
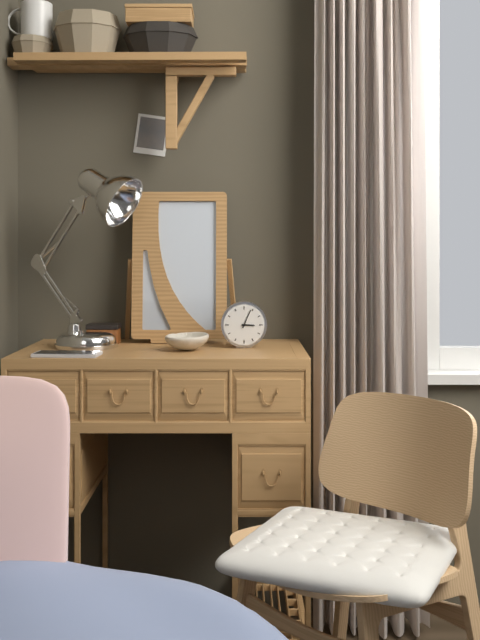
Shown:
h=3 m=4
